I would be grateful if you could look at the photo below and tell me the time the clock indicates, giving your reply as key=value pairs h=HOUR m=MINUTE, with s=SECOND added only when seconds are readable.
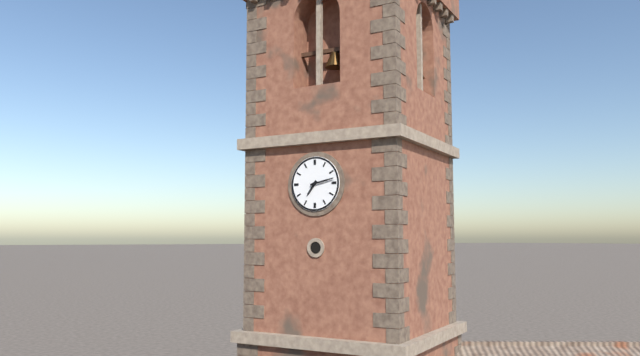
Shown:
h=7 m=13
